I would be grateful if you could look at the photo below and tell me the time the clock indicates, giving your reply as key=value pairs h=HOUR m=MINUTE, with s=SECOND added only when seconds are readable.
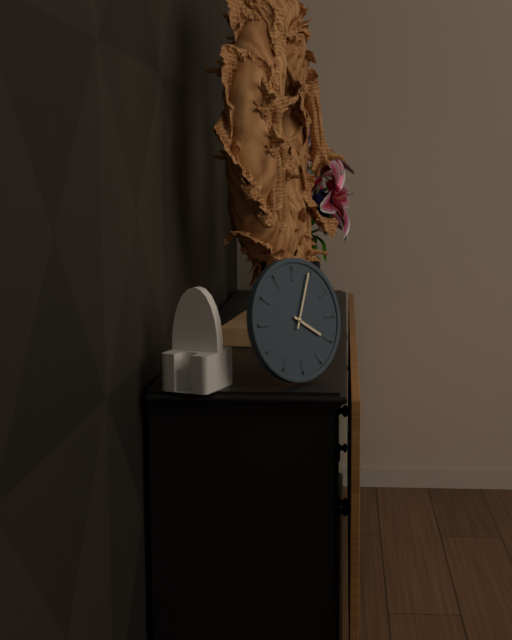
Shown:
h=4 m=4
